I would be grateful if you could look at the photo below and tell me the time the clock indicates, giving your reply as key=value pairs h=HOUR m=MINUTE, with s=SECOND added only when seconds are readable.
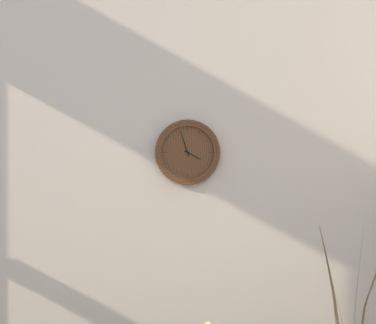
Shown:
h=3 m=57
